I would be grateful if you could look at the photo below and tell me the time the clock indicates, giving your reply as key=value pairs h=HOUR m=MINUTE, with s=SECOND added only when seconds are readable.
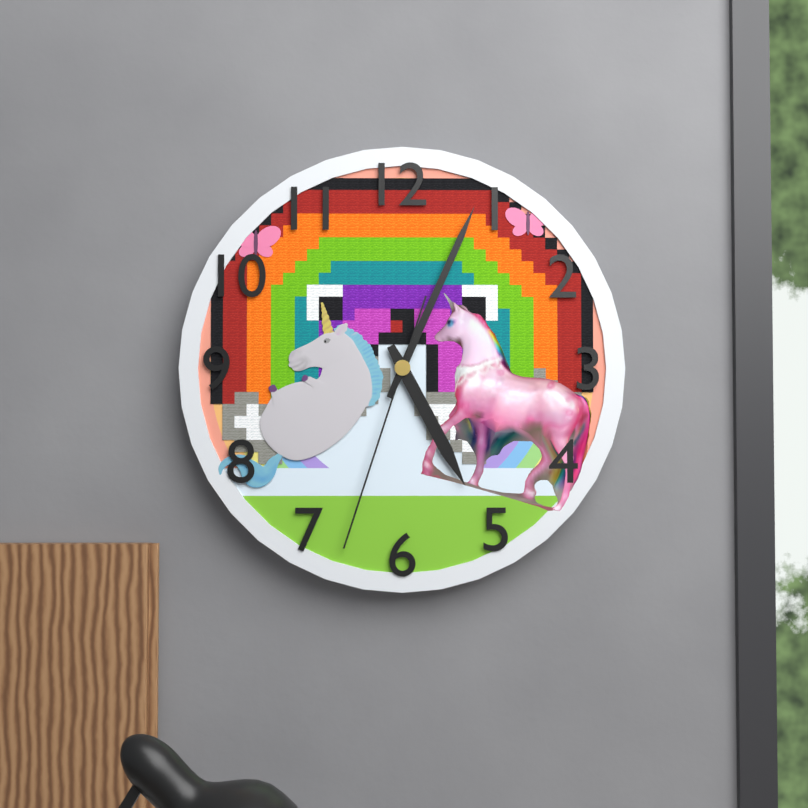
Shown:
h=5 m=4 s=33
